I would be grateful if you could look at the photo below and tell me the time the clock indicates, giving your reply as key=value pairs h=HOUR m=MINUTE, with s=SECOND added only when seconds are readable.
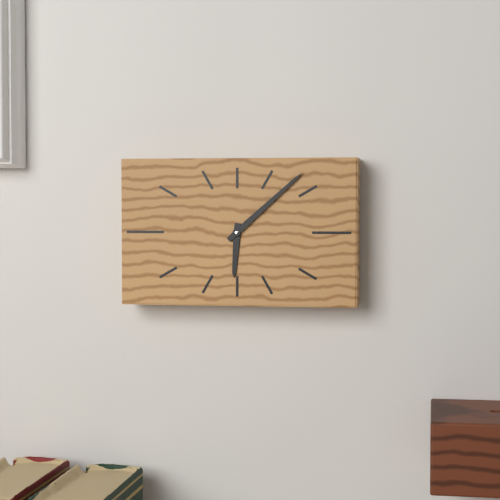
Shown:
h=6 m=8
